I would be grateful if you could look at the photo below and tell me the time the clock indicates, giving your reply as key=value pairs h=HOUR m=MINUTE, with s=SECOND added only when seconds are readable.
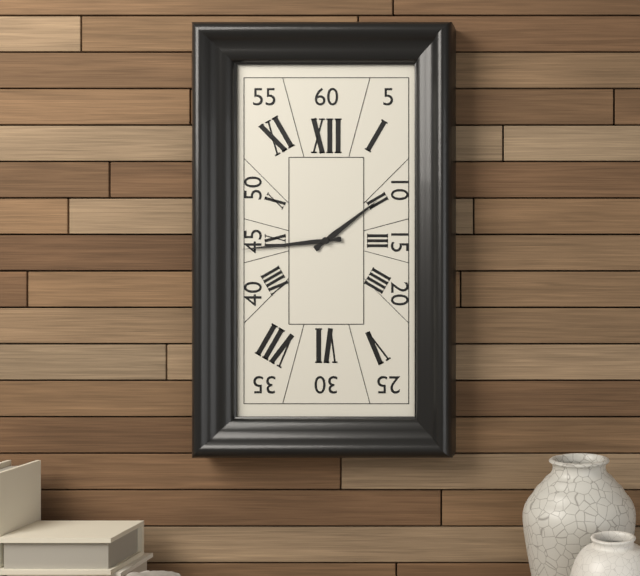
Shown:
h=1 m=44
